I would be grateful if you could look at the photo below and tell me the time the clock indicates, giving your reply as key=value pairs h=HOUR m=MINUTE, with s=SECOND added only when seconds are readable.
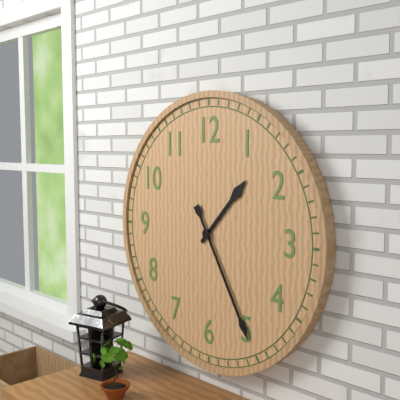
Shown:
h=1 m=25
